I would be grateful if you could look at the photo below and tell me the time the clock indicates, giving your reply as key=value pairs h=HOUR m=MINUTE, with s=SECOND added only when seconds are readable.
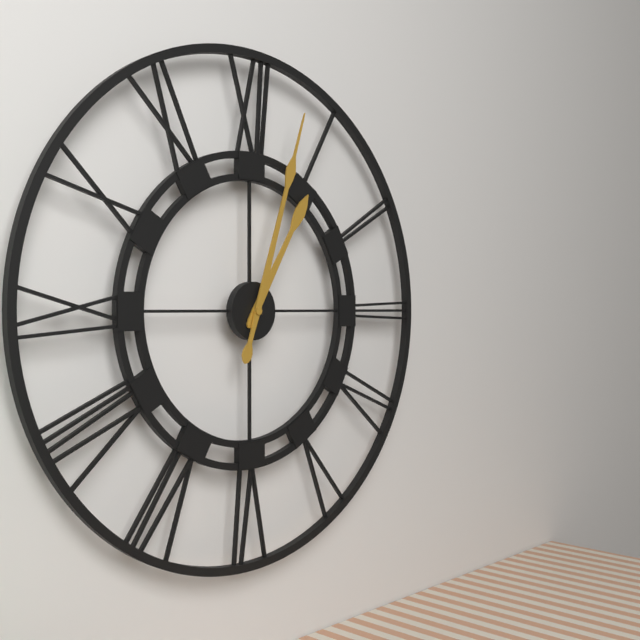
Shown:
h=1 m=3
